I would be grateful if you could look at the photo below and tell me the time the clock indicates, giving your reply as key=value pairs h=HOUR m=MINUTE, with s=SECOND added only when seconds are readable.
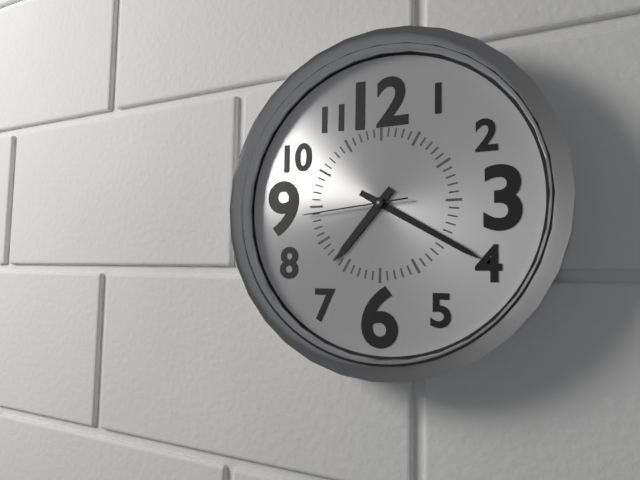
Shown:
h=7 m=20 s=44
